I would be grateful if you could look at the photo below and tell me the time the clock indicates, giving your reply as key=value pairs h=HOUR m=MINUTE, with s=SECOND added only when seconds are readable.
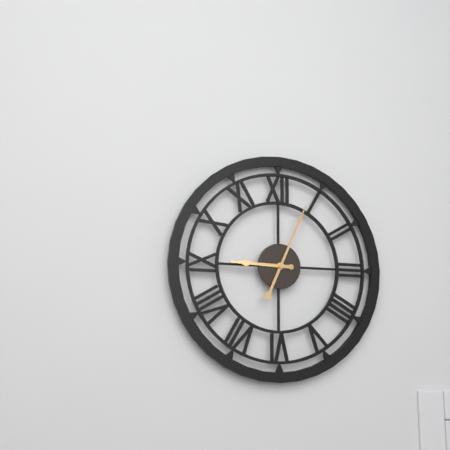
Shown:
h=9 m=4
